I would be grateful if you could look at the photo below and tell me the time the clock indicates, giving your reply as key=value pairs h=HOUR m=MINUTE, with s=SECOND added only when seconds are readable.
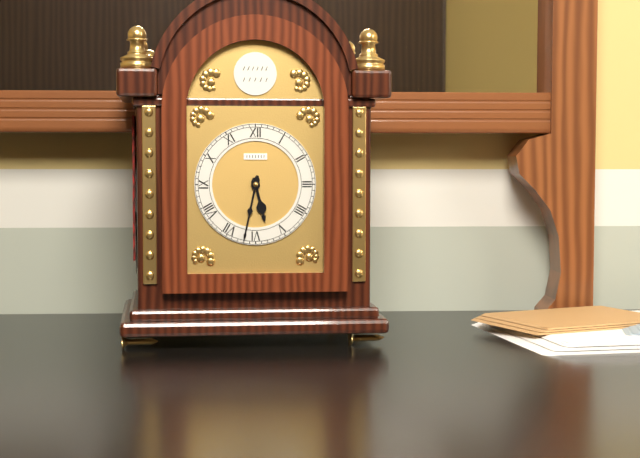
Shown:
h=5 m=32
